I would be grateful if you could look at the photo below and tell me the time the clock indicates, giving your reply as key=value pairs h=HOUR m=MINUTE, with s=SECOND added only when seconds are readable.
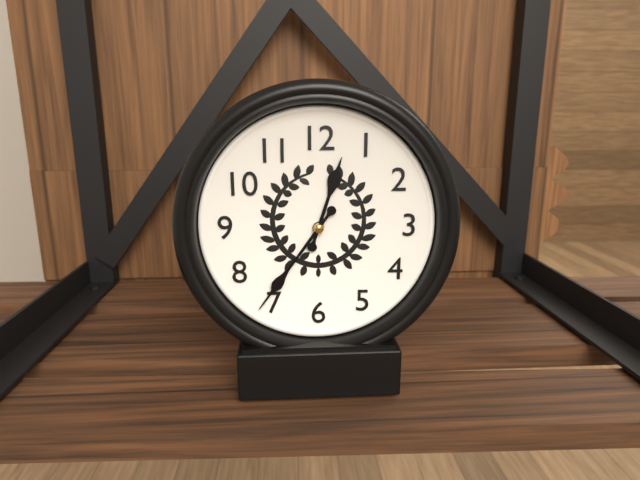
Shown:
h=12 m=36
